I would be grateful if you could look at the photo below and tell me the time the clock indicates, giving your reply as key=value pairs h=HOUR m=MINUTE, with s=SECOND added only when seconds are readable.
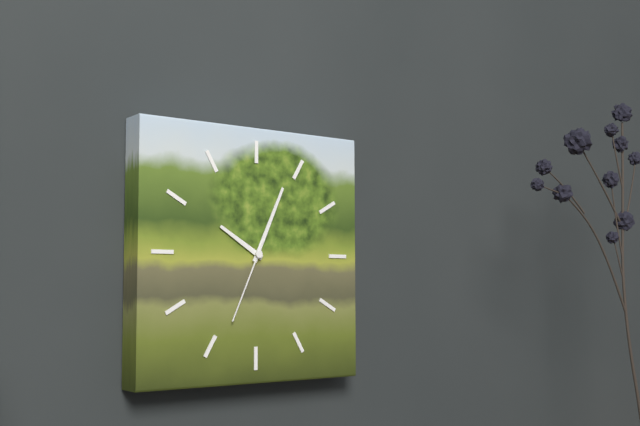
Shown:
h=10 m=4 s=34
